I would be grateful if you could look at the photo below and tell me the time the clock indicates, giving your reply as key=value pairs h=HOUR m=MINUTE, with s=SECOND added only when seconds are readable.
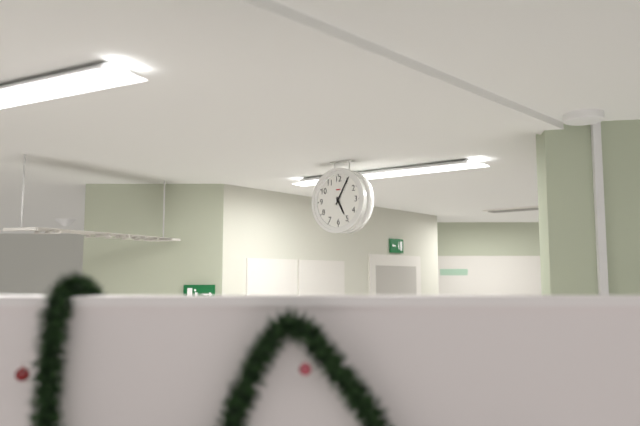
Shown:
h=5 m=5
